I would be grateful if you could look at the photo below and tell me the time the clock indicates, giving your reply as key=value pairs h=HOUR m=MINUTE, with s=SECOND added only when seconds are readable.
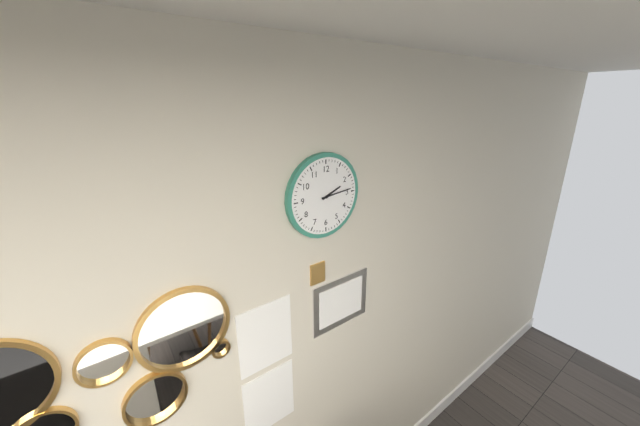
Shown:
h=2 m=14
